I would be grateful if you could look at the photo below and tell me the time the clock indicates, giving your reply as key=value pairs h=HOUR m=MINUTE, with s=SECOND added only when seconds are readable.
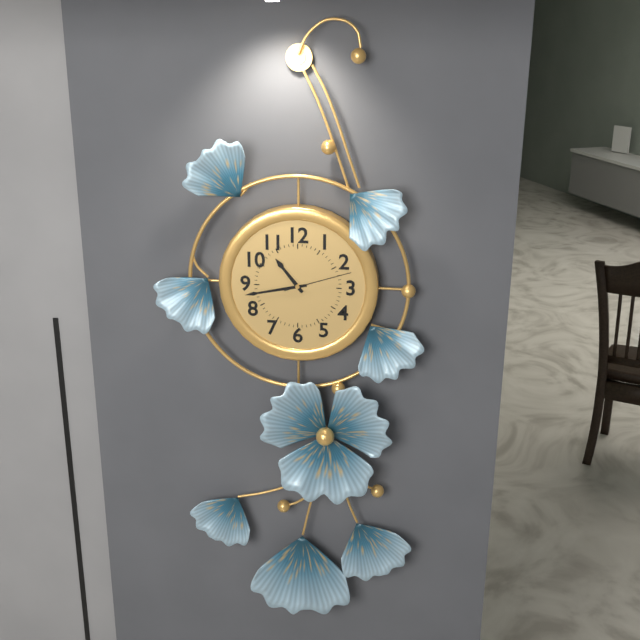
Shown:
h=10 m=43 s=12
